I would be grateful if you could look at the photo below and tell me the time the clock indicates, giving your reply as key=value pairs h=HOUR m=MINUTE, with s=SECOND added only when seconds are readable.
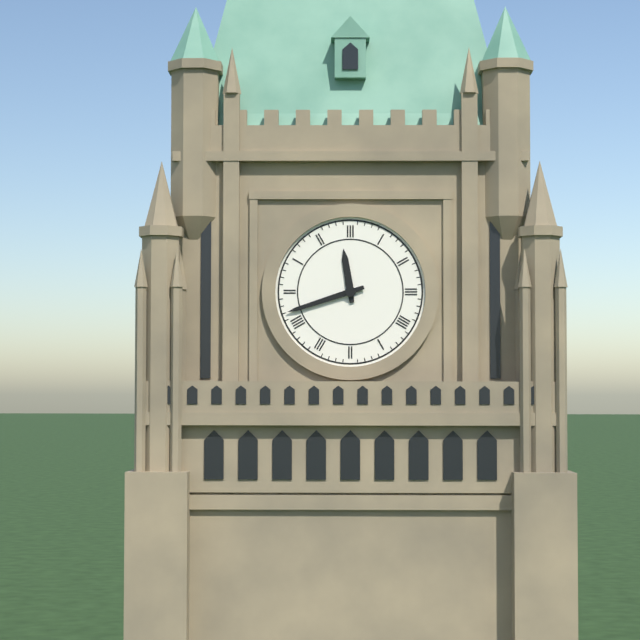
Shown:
h=11 m=42
